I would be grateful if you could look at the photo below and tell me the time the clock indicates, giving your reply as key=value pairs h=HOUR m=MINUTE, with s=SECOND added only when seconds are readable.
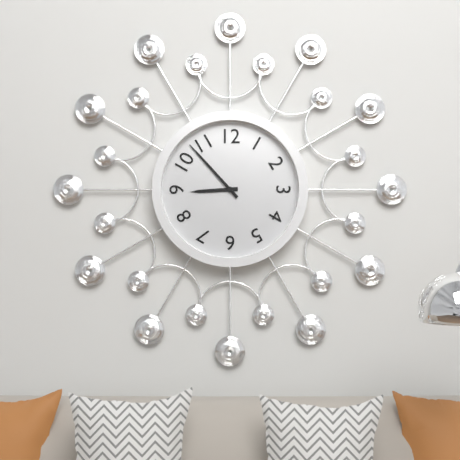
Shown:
h=8 m=53
